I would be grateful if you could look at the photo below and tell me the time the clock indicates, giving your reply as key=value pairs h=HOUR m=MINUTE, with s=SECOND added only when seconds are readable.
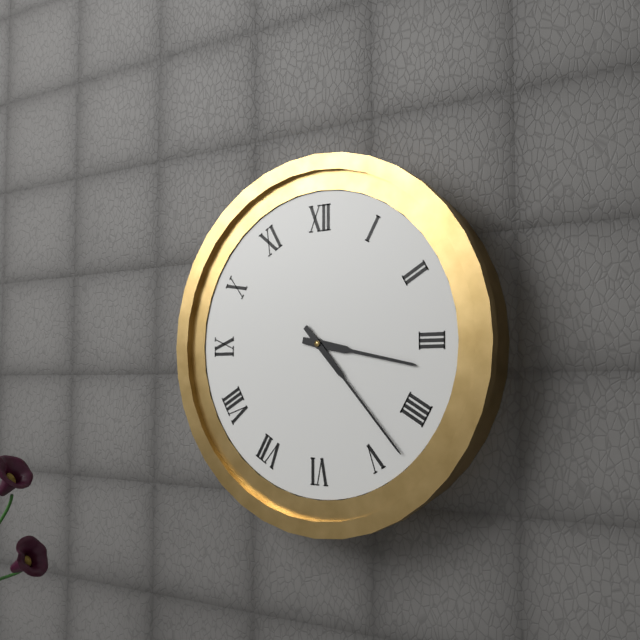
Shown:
h=3 m=23
